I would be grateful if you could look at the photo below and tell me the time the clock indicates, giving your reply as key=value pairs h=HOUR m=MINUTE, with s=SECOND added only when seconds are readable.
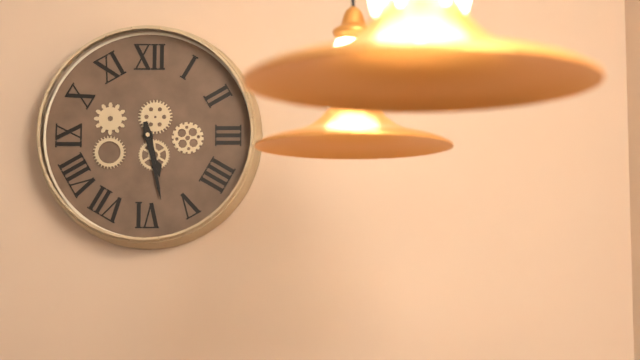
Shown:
h=5 m=28
